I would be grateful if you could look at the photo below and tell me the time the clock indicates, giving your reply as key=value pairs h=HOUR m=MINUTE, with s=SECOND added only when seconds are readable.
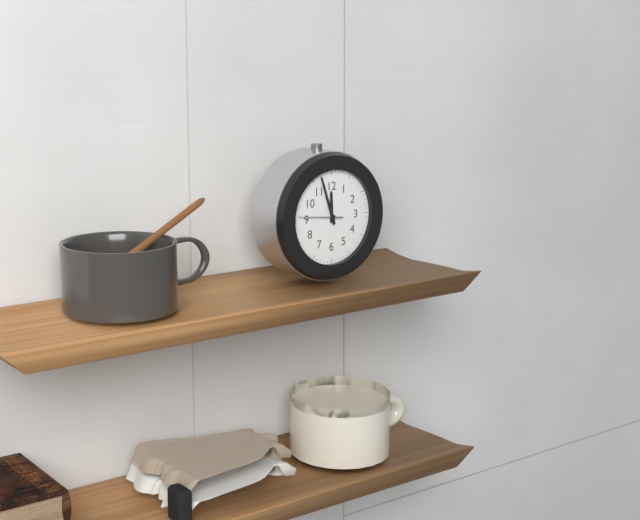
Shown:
h=11 m=57
